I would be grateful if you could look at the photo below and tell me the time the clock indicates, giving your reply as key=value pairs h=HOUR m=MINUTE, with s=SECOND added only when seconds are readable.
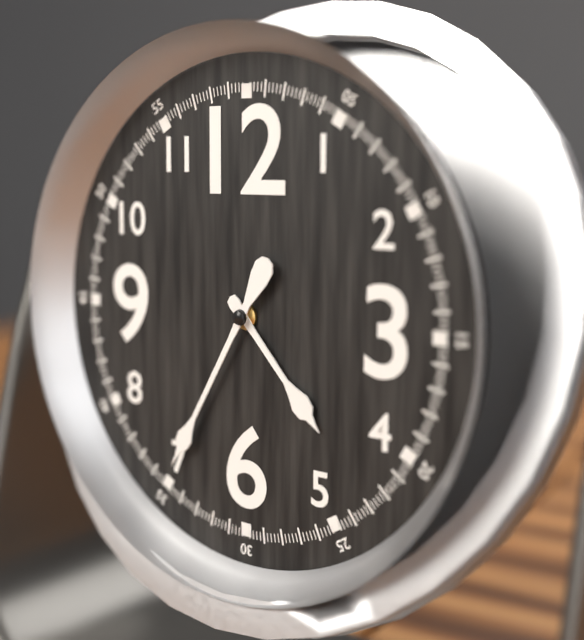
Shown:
h=4 m=35
